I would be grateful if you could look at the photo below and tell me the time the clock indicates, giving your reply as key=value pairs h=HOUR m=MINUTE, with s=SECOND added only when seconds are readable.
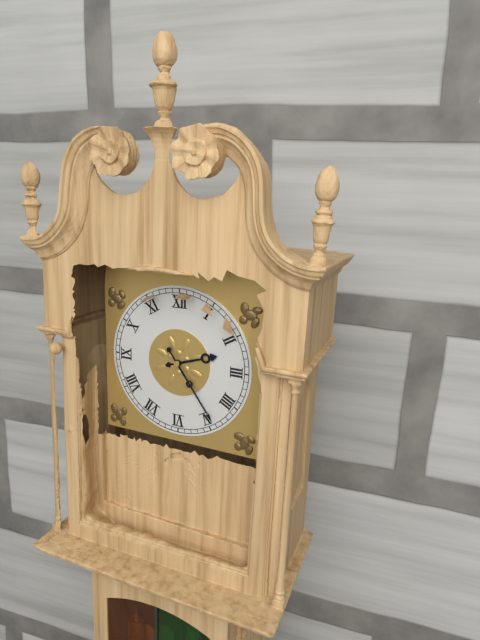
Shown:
h=2 m=24
